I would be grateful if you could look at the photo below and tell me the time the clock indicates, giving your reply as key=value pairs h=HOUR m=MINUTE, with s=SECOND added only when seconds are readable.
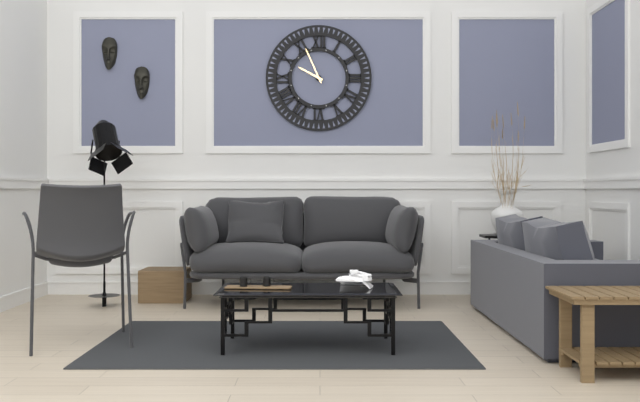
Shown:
h=9 m=56
